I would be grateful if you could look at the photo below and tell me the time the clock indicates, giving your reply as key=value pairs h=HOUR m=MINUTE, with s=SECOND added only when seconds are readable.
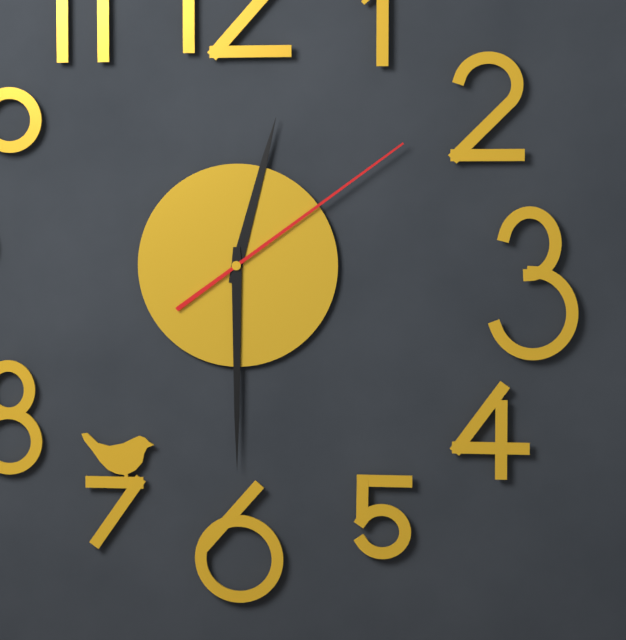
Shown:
h=12 m=30 s=9
